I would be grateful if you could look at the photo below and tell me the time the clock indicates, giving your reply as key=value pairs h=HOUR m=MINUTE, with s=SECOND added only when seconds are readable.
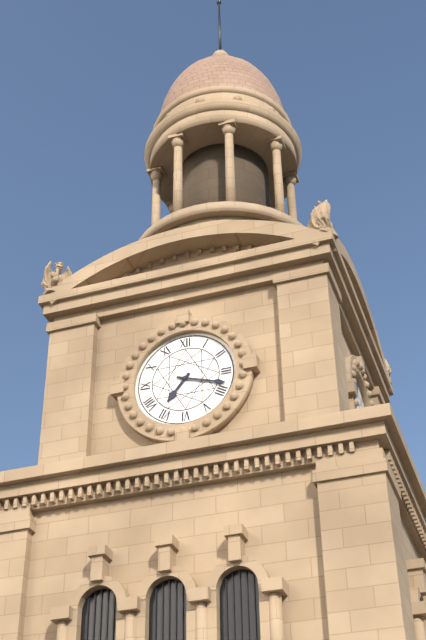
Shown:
h=7 m=18
